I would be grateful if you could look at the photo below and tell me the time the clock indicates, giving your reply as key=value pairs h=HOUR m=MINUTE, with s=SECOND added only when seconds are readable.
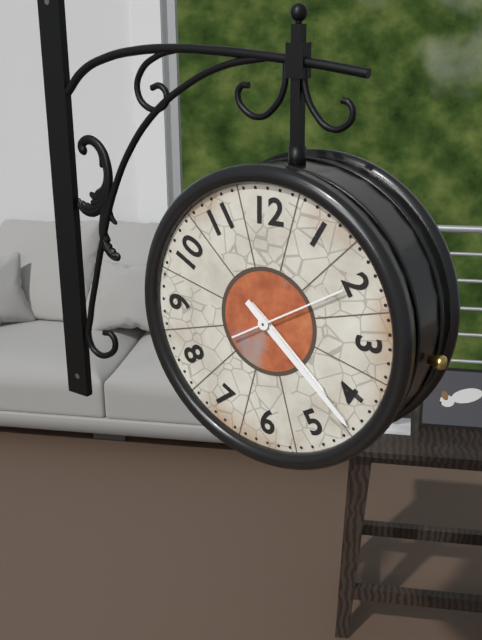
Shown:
h=4 m=22 s=10
